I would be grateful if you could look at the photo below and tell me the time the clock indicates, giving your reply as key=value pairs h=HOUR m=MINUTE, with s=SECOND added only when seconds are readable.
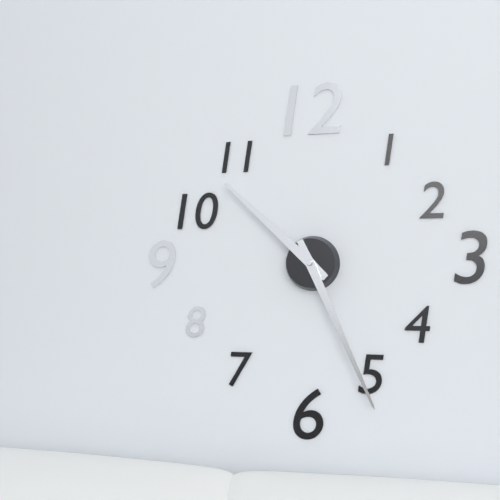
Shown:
h=10 m=26
